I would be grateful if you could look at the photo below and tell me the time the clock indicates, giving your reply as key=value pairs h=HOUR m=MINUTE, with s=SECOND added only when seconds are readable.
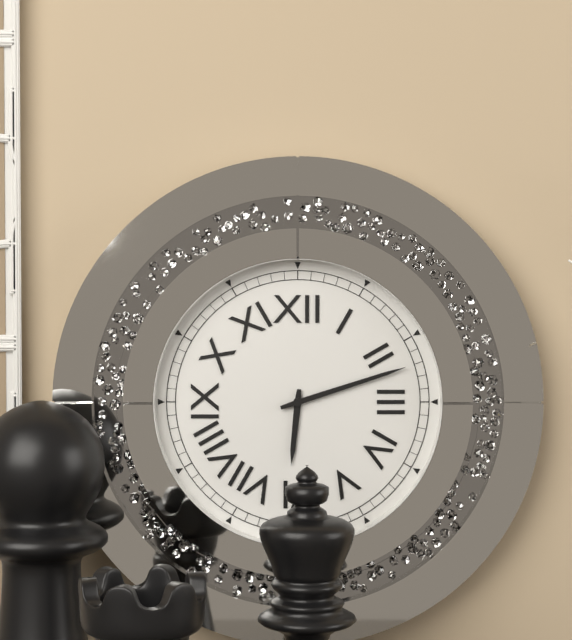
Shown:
h=6 m=12
